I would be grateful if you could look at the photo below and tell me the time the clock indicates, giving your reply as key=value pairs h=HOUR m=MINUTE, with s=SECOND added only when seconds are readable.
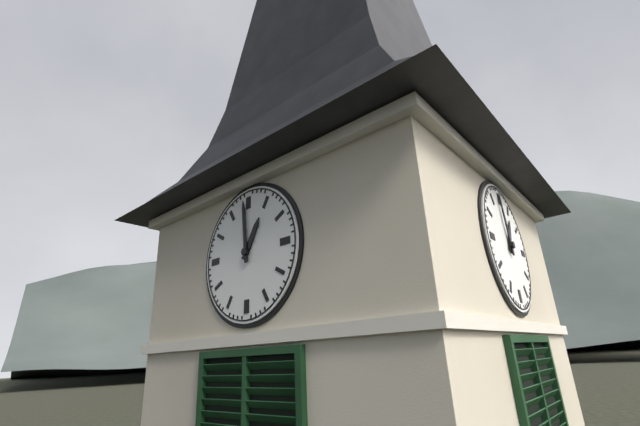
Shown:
h=12 m=59
